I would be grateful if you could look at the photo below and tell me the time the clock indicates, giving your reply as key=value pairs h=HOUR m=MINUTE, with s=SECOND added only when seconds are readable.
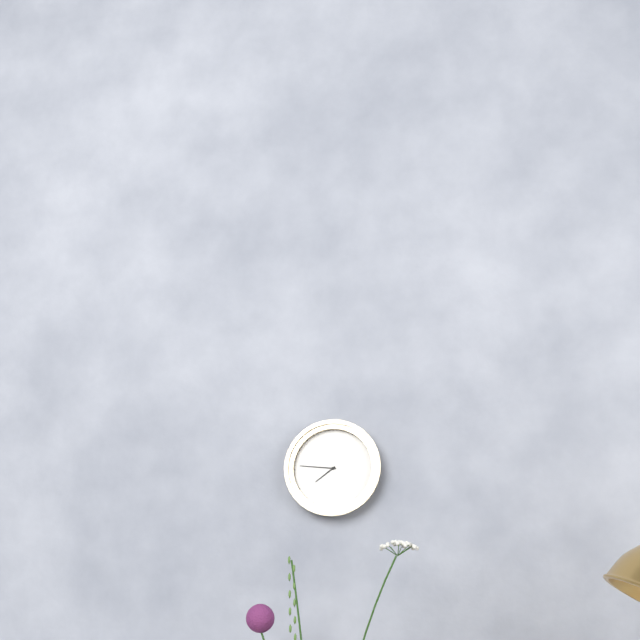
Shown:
h=7 m=46
